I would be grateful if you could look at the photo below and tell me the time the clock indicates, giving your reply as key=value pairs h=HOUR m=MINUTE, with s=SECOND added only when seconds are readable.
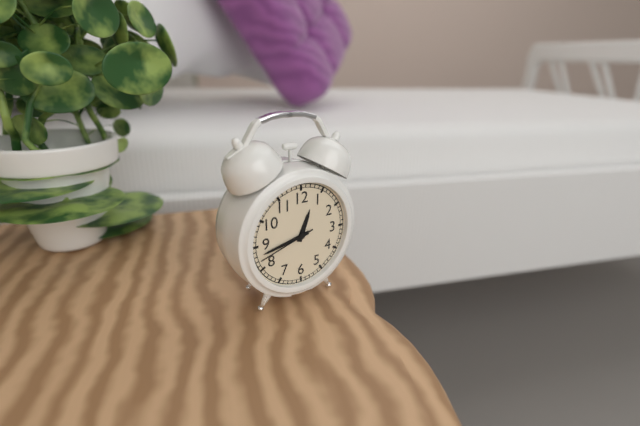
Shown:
h=12 m=43 s=42
